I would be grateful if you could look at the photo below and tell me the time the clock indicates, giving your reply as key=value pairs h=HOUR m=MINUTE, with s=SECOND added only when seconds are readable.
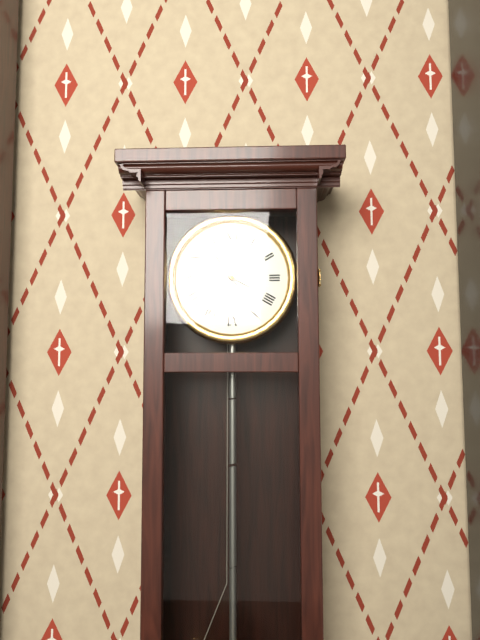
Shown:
h=3 m=54
